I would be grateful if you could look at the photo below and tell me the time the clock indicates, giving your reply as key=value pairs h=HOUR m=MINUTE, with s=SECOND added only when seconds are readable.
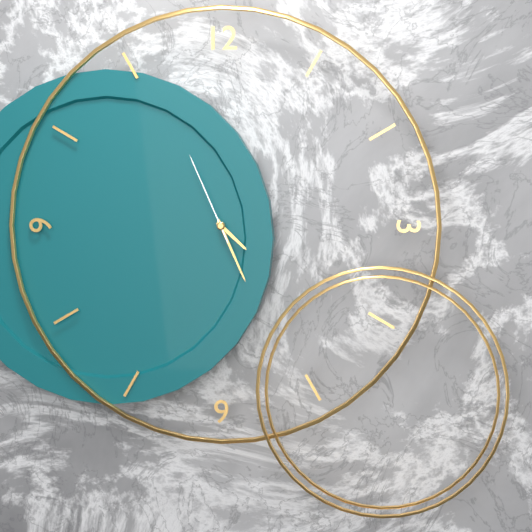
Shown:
h=4 m=26 s=56
